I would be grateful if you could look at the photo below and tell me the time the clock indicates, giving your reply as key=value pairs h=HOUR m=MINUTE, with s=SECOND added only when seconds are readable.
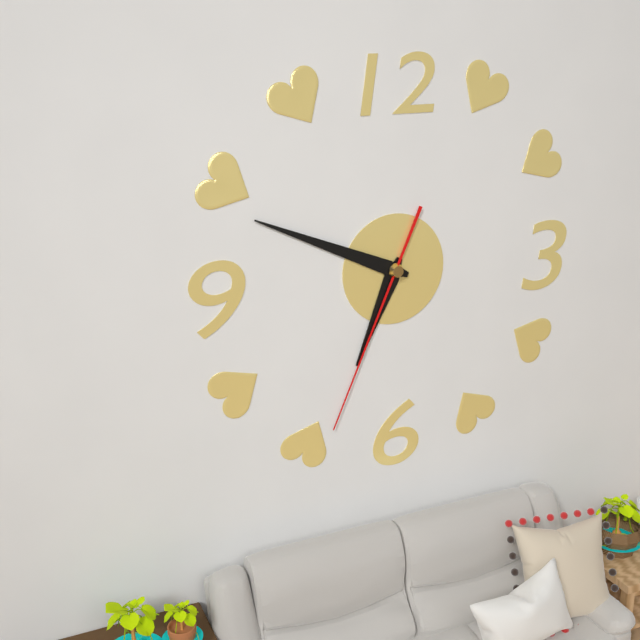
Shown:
h=6 m=49 s=34
